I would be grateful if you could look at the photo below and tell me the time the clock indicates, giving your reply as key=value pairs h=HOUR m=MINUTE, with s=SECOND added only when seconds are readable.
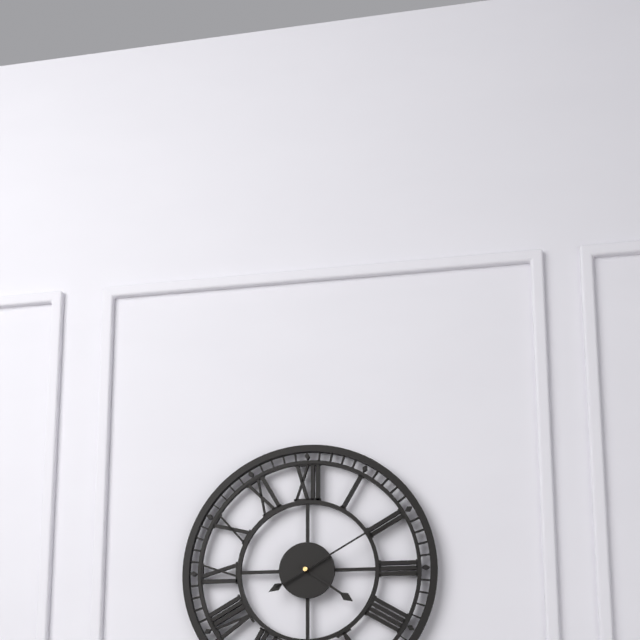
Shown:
h=4 m=10
